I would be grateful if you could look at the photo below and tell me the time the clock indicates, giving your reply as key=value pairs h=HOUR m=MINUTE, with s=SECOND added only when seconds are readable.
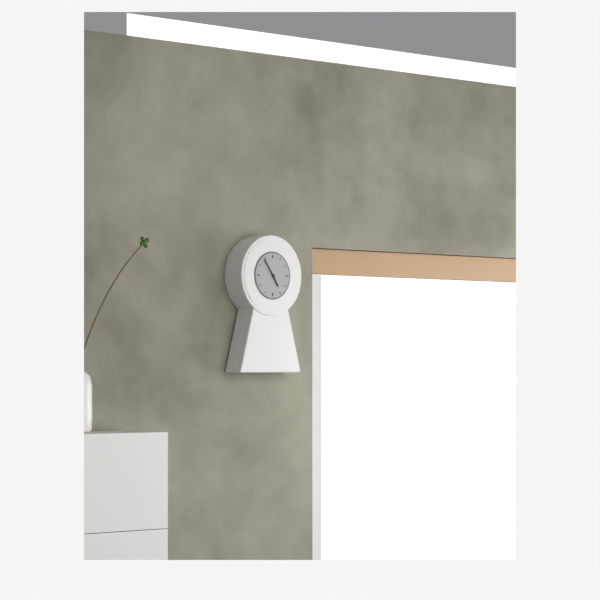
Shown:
h=4 m=54
